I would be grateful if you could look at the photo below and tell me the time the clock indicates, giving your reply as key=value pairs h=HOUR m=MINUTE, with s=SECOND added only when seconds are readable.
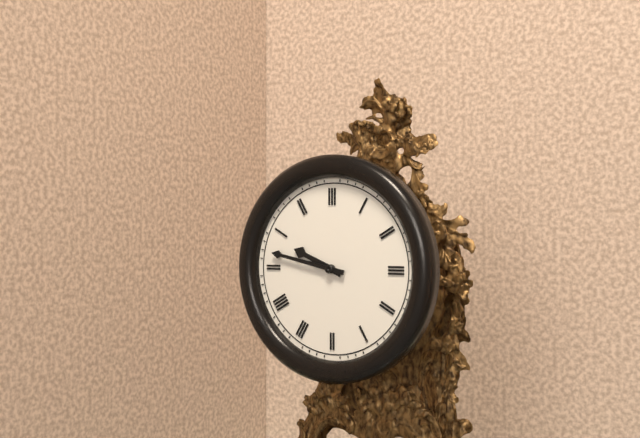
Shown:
h=9 m=47
